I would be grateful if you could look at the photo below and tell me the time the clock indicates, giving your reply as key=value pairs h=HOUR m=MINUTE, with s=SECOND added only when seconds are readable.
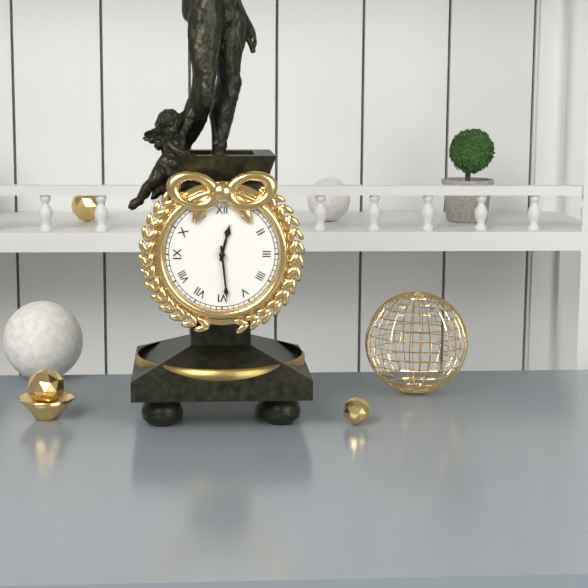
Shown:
h=12 m=29
